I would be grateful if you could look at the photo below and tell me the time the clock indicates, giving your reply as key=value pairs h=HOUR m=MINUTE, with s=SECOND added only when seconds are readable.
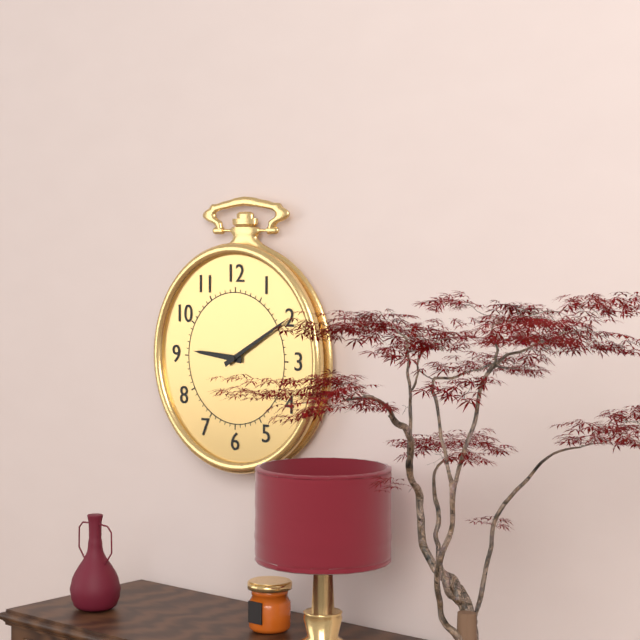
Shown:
h=9 m=10
